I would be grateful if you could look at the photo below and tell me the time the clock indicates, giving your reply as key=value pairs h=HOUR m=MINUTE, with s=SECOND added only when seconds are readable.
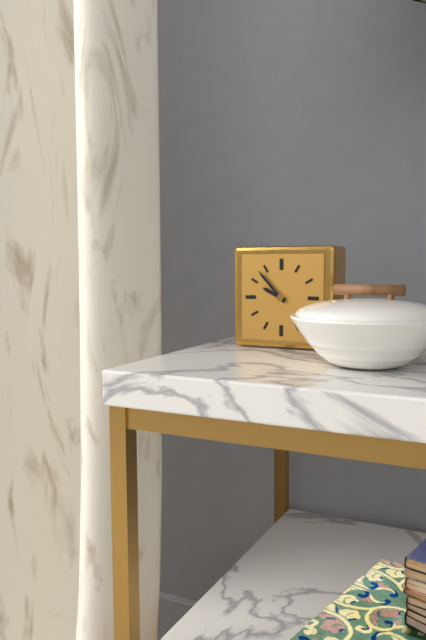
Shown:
h=9 m=53
